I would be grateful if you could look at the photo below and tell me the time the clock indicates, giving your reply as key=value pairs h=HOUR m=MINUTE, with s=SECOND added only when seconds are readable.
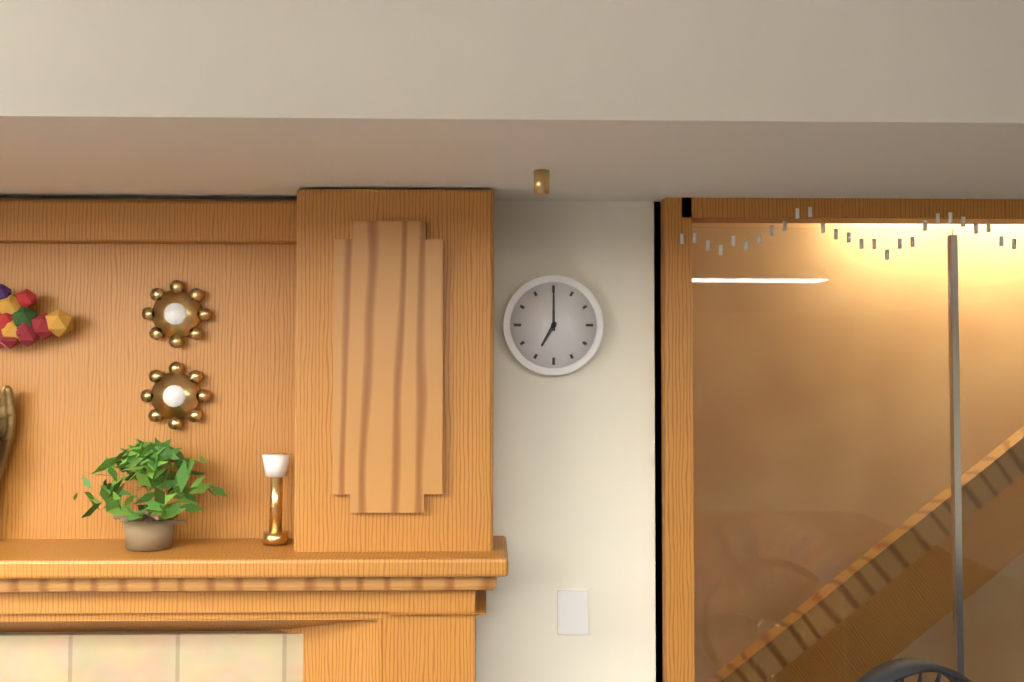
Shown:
h=7 m=0
